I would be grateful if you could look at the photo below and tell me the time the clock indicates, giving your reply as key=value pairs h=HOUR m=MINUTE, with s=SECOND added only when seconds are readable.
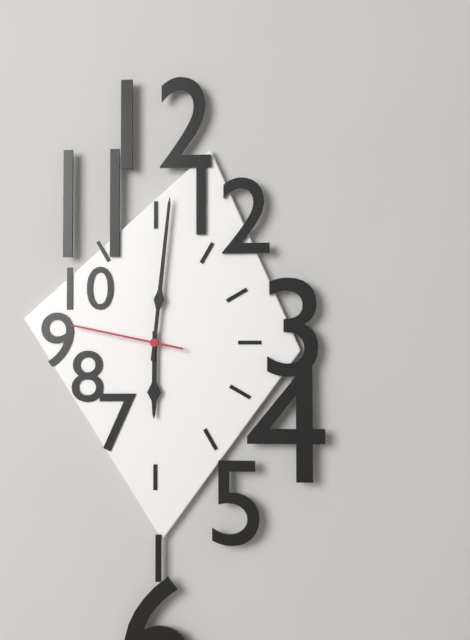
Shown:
h=6 m=1 s=47
